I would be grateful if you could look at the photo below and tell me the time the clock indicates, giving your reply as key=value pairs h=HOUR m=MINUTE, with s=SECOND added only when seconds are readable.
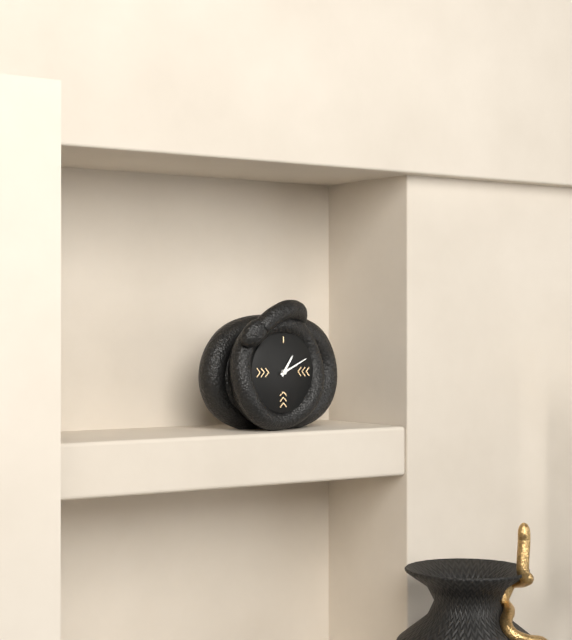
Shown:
h=1 m=11
